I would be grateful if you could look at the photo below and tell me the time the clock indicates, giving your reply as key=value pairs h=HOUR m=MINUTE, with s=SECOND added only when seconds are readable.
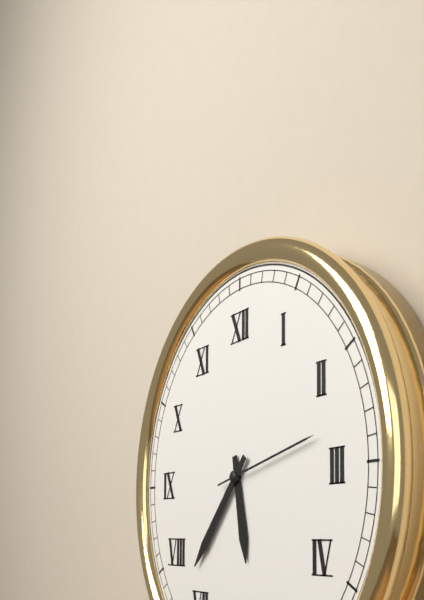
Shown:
h=5 m=37 s=13
